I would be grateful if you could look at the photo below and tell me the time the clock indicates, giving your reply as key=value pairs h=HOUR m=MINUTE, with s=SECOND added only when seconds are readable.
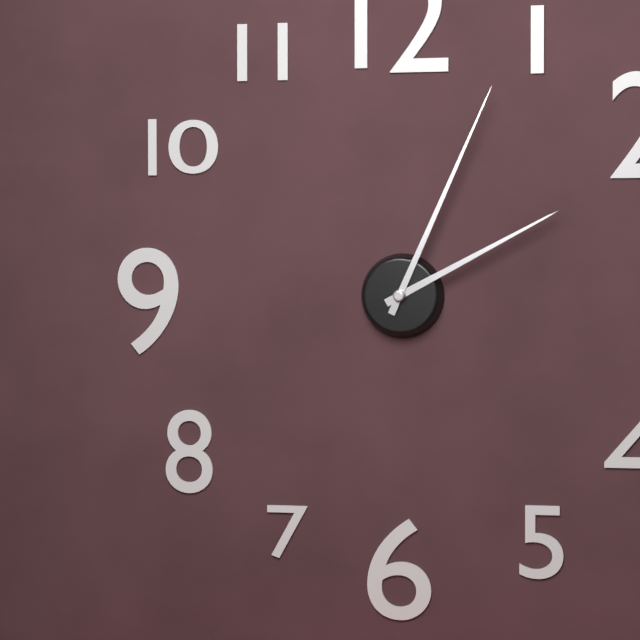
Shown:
h=2 m=4
